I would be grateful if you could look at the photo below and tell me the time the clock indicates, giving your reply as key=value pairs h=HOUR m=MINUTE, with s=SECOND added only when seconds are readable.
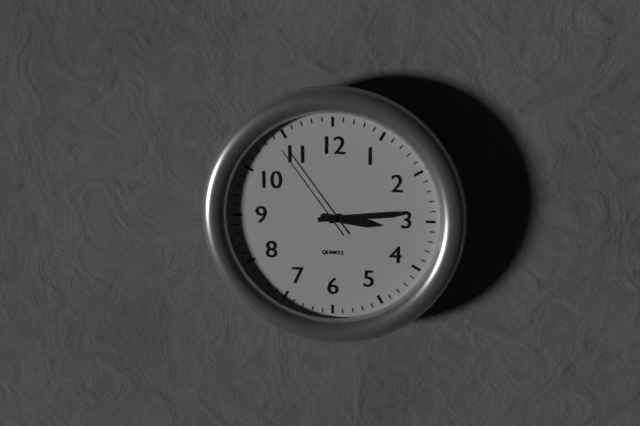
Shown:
h=3 m=14 s=54
